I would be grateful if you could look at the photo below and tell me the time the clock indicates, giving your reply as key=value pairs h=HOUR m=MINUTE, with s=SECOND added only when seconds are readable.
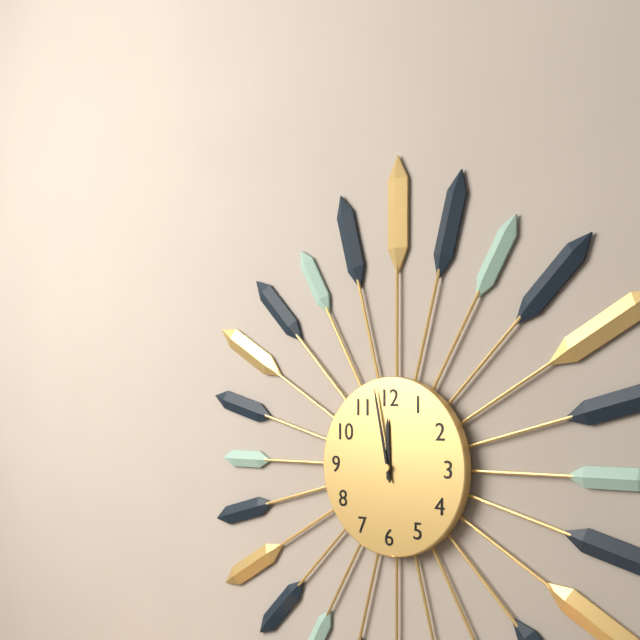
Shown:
h=11 m=58
